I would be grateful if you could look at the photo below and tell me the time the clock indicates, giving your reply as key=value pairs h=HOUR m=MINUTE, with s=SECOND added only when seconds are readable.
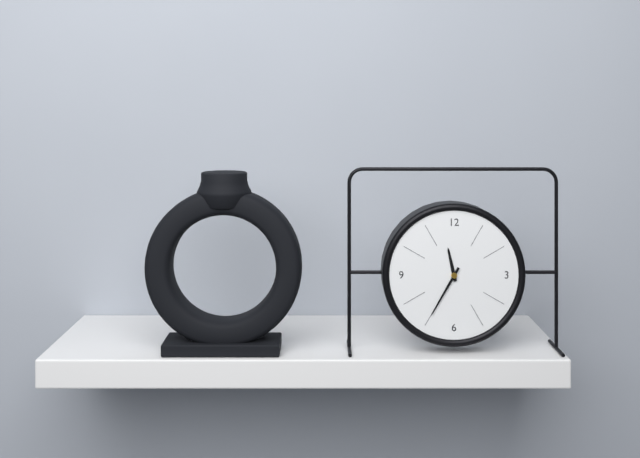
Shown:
h=11 m=35
